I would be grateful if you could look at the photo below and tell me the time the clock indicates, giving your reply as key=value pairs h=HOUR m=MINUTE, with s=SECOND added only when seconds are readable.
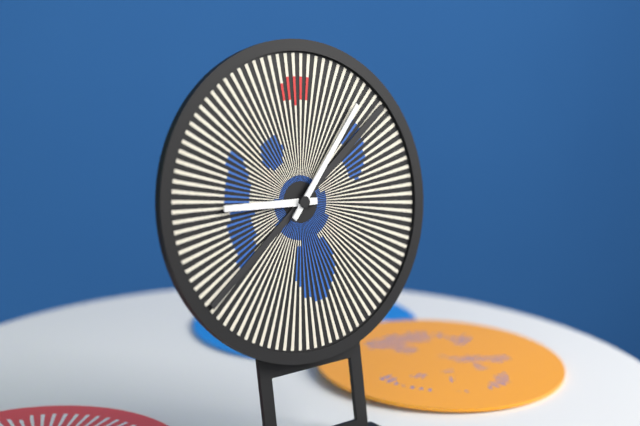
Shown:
h=9 m=7
